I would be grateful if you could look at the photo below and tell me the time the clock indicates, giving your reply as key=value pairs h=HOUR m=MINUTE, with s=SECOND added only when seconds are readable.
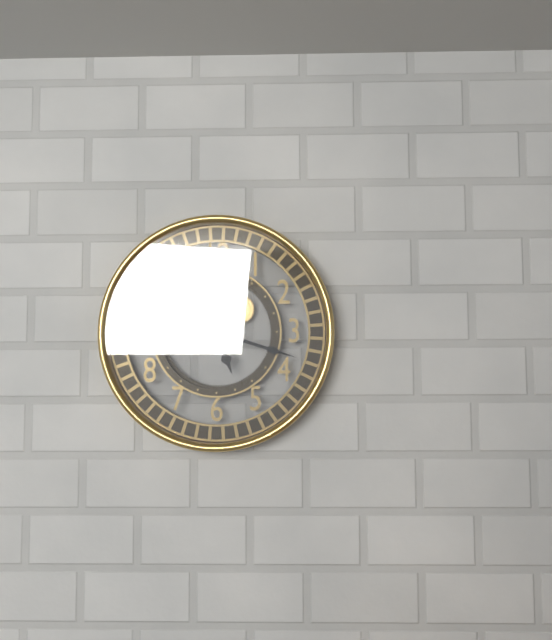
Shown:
h=5 m=18
